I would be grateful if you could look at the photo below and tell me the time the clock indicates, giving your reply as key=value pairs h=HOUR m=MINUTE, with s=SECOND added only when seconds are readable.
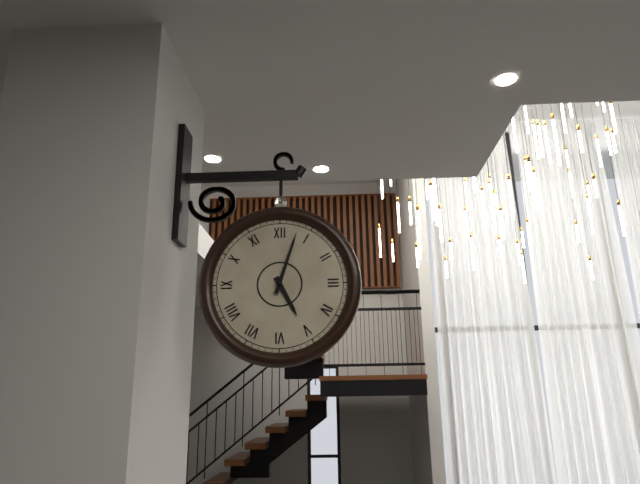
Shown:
h=5 m=3
